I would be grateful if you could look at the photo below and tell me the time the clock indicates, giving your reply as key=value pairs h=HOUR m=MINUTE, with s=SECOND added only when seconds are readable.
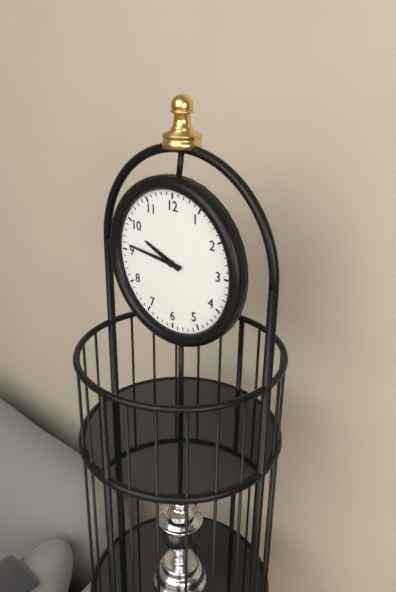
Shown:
h=9 m=46
